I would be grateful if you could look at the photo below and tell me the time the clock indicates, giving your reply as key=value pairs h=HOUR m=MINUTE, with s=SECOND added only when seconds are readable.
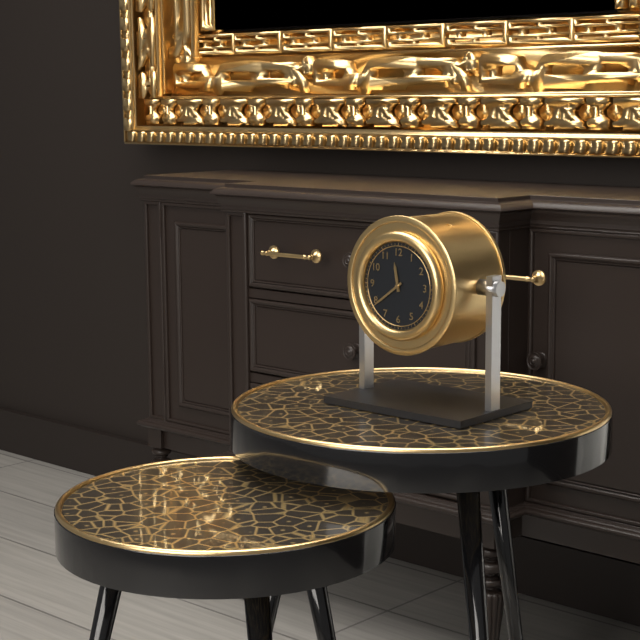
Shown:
h=11 m=39
